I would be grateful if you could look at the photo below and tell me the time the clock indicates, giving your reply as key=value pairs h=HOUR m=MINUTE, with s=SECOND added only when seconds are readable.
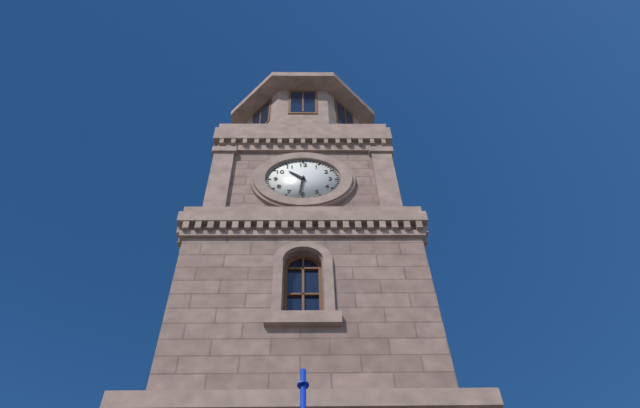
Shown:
h=10 m=31
